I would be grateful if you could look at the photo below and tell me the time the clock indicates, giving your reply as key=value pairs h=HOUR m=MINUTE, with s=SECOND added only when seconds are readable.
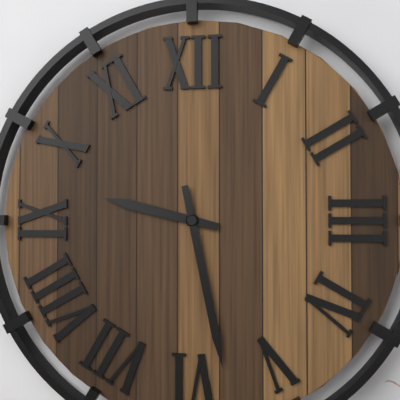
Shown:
h=9 m=28
